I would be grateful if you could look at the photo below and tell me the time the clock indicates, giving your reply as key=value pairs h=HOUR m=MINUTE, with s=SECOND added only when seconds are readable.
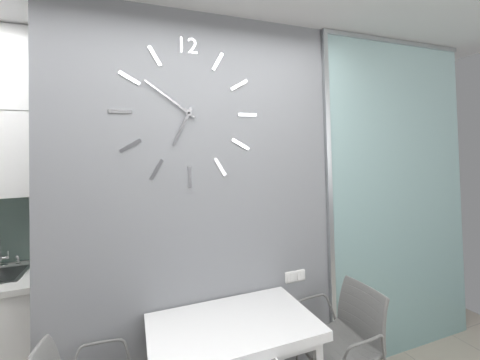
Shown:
h=6 m=51
